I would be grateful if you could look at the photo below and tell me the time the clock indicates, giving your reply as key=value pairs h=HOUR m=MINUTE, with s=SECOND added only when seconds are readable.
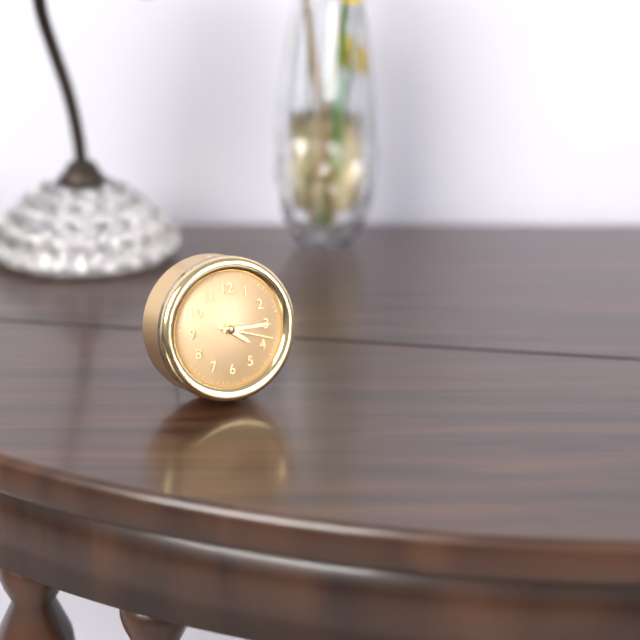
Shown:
h=4 m=15 s=18
